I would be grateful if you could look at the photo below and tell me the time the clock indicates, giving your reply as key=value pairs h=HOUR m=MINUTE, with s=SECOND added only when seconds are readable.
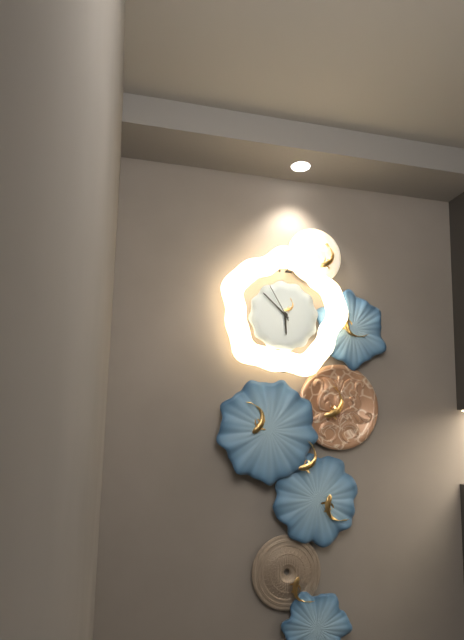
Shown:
h=5 m=52
